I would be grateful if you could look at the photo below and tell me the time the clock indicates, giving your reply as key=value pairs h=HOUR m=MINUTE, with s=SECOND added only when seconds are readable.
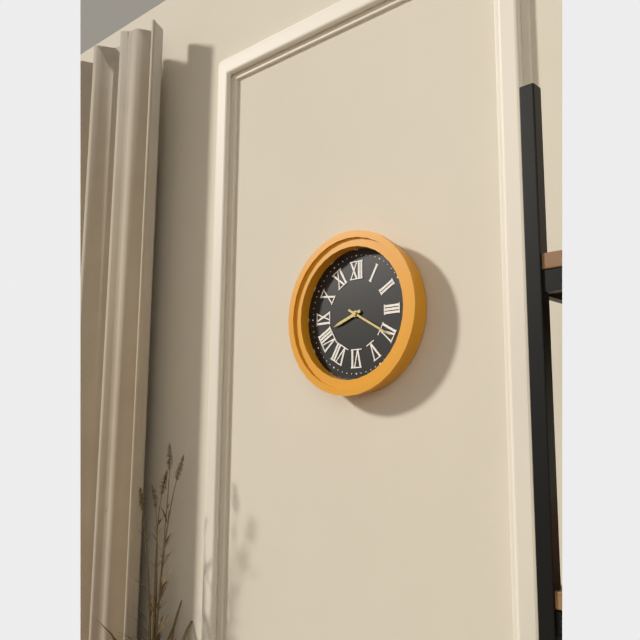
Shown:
h=8 m=20
